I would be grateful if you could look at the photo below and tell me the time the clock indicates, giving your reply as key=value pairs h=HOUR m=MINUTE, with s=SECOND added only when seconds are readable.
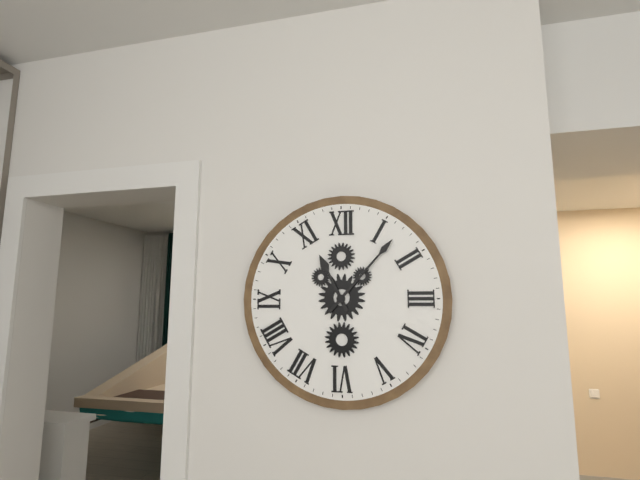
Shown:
h=11 m=7
